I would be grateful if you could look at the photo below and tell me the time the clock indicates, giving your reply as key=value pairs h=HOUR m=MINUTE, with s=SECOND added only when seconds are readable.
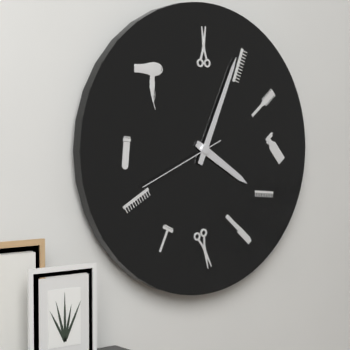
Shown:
h=4 m=4 s=41
